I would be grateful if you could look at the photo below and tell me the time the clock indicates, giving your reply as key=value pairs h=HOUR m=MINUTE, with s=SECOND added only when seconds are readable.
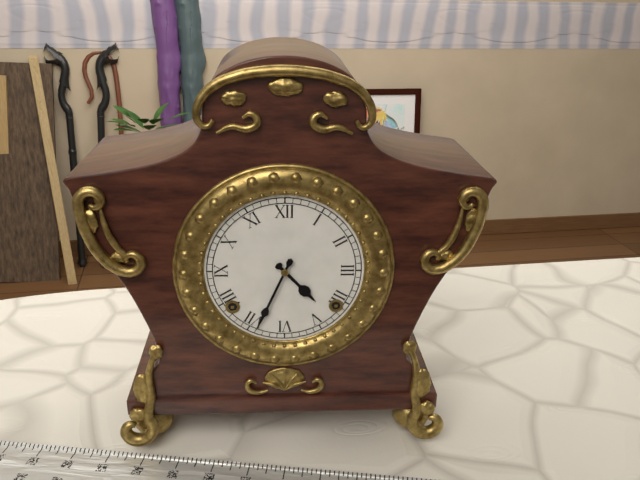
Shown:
h=4 m=34
